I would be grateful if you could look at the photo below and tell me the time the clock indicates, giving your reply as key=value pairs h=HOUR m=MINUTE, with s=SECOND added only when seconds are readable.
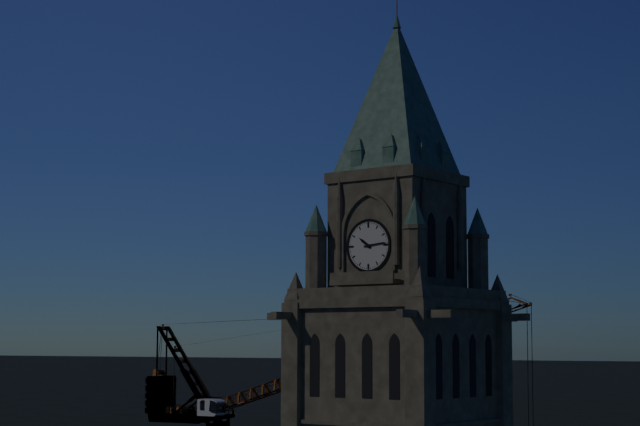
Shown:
h=10 m=14
